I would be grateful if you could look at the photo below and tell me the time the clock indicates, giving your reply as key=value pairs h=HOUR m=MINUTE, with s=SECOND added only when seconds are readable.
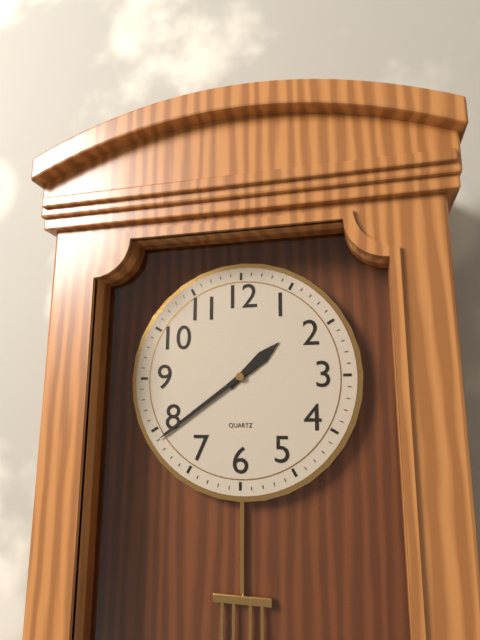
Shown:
h=1 m=39
